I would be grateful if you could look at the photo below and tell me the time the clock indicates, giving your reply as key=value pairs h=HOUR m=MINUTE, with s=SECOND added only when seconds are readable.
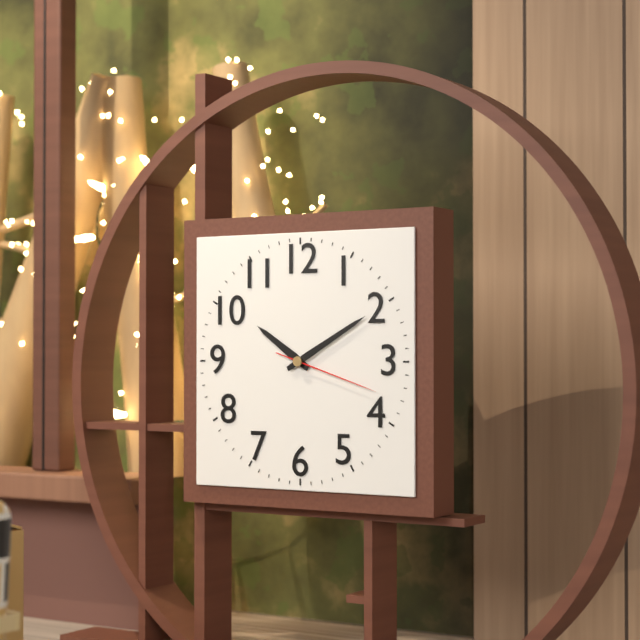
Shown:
h=10 m=10 s=18
